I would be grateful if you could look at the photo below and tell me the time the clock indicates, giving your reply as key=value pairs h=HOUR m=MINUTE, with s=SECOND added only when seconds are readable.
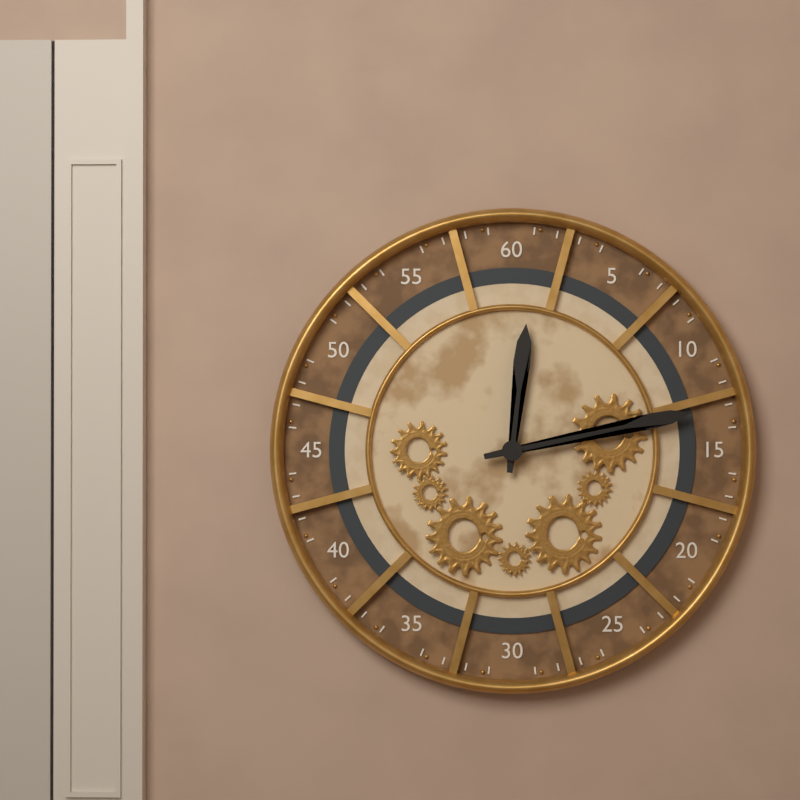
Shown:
h=12 m=13
